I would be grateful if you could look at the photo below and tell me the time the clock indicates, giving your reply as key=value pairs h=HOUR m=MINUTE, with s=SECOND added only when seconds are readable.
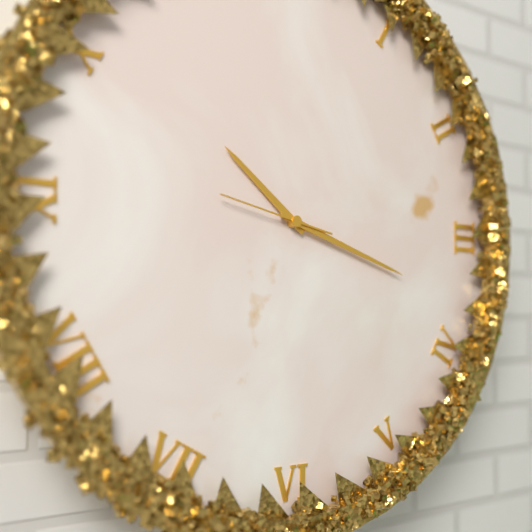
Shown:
h=10 m=18 s=47
